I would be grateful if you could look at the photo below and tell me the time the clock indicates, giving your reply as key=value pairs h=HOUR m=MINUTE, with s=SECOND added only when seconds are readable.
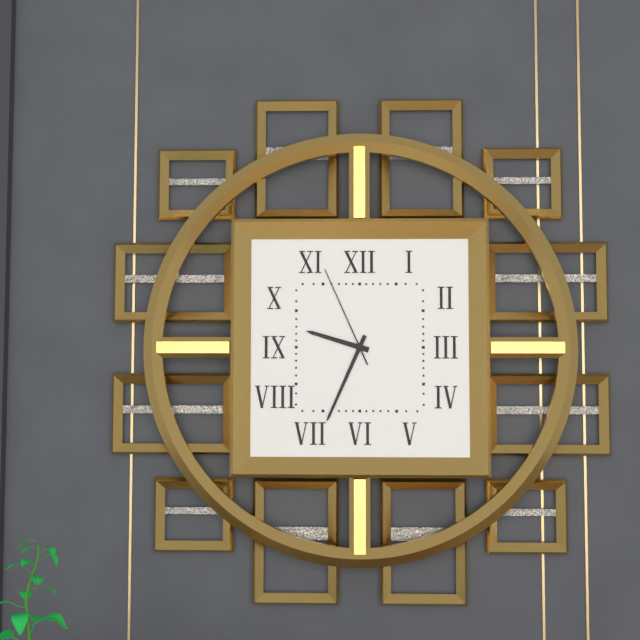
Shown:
h=9 m=34 s=56
